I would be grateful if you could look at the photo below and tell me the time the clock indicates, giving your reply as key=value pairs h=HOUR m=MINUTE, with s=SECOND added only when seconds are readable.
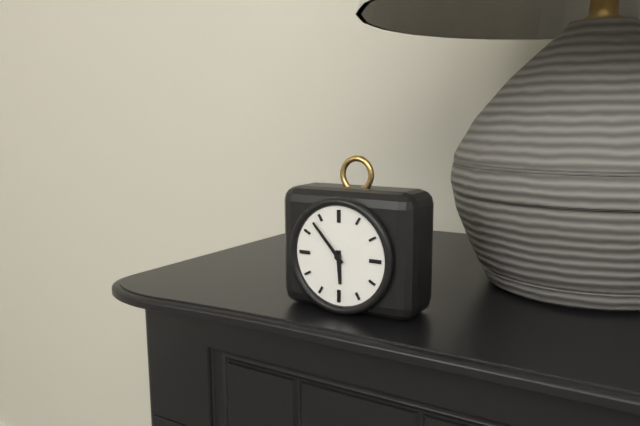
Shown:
h=5 m=53
